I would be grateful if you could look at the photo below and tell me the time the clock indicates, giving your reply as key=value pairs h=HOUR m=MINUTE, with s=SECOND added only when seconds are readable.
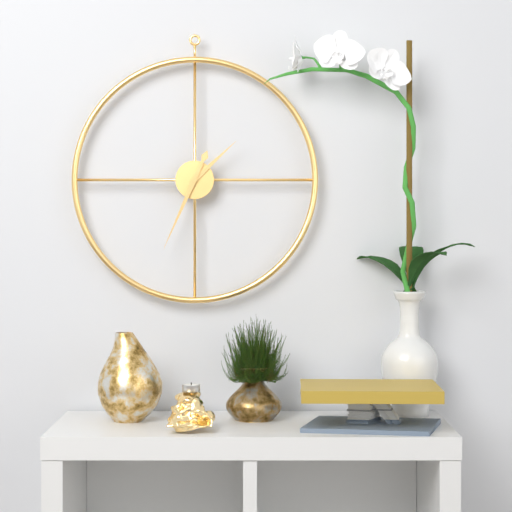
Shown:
h=1 m=34
